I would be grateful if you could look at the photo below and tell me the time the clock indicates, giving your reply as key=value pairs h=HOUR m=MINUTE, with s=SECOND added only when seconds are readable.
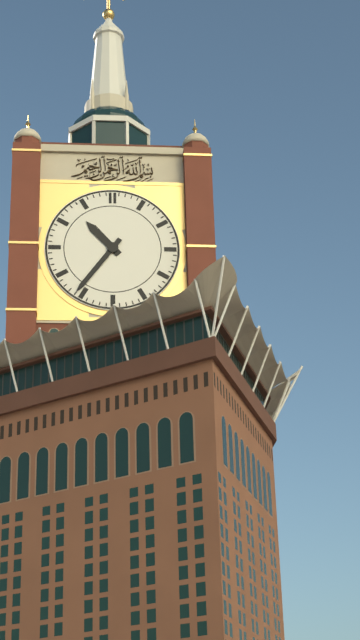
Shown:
h=10 m=36
